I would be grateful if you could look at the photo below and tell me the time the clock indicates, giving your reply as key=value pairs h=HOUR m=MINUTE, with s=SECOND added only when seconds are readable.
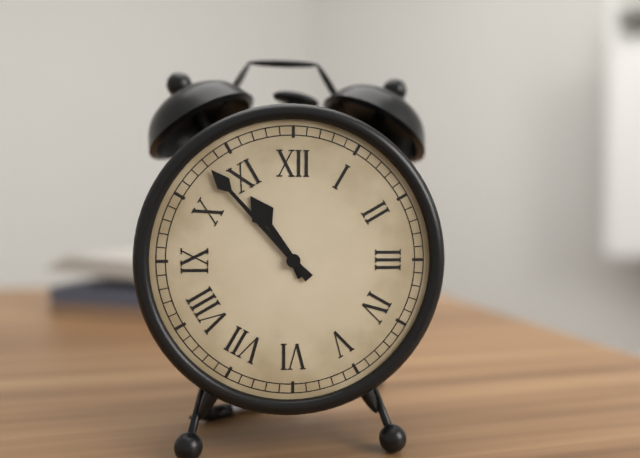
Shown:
h=10 m=53
